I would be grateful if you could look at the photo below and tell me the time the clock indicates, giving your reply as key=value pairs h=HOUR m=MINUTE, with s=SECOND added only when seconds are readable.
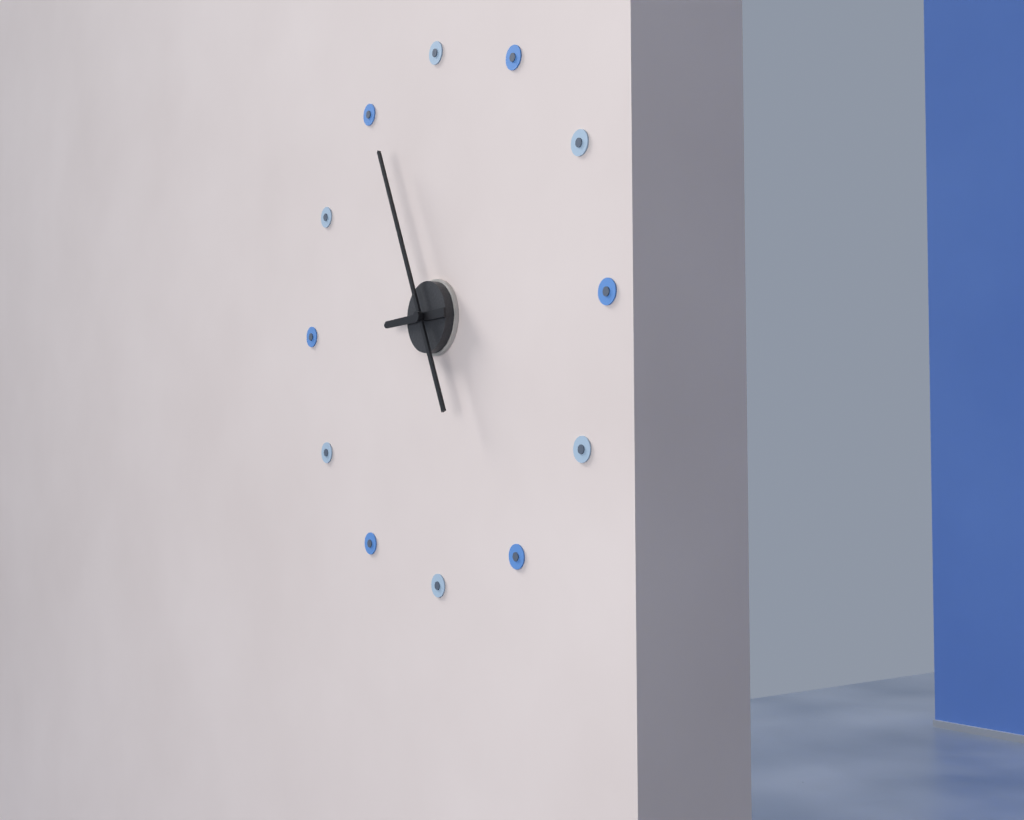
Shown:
h=8 m=56
